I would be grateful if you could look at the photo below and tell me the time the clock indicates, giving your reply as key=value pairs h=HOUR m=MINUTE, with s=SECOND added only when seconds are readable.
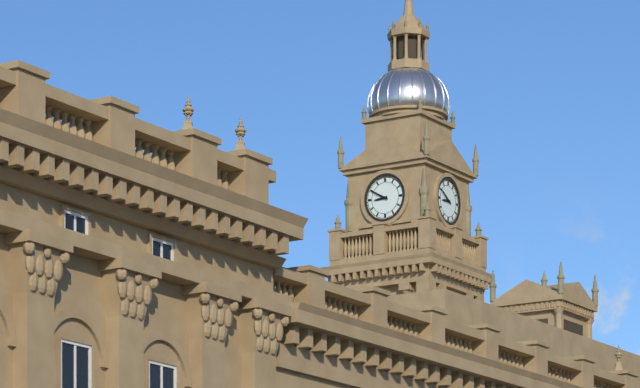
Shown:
h=8 m=50
